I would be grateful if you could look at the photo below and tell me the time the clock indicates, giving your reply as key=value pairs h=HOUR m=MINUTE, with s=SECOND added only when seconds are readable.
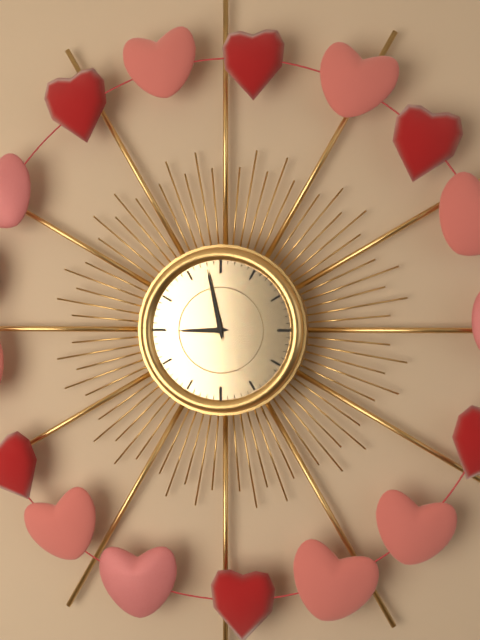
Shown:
h=8 m=58
